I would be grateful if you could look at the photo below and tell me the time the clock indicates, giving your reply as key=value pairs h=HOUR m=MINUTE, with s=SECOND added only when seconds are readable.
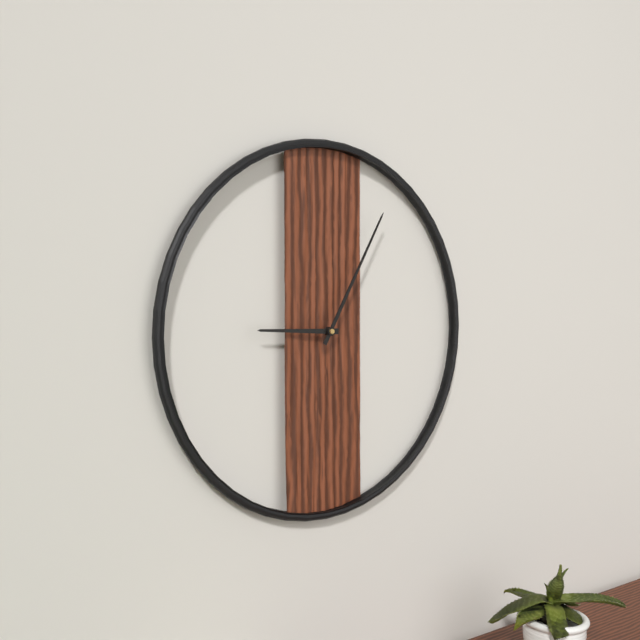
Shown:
h=9 m=5
